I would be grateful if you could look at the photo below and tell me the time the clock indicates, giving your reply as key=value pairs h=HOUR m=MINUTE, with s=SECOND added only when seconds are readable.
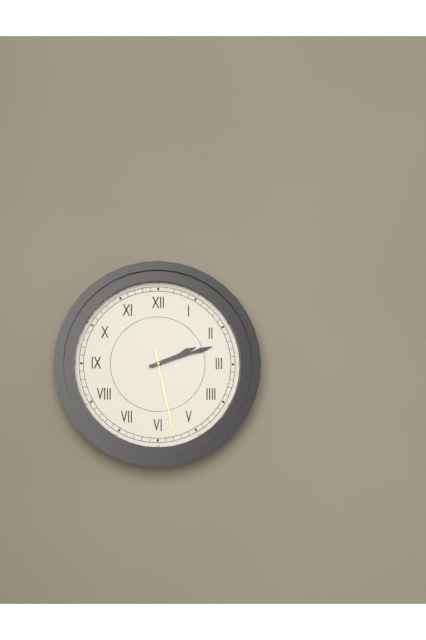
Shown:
h=2 m=12 s=28
